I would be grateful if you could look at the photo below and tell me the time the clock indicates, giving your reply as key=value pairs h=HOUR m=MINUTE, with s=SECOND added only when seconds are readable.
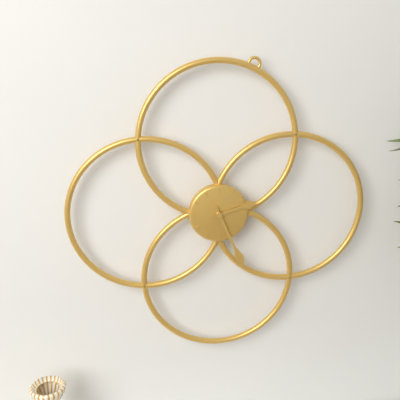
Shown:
h=2 m=26
